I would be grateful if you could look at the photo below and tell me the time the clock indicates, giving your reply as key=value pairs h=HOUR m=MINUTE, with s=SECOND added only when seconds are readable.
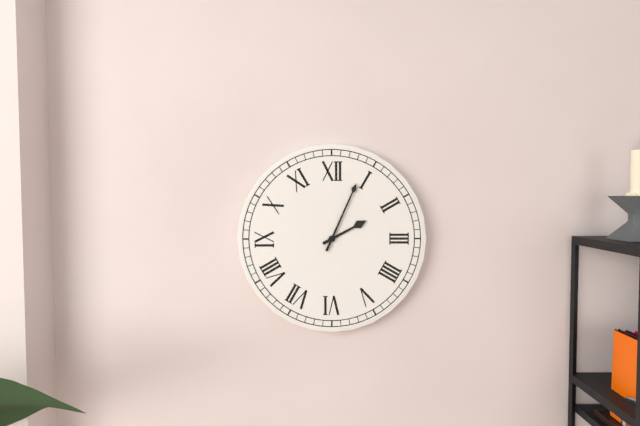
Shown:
h=2 m=4
